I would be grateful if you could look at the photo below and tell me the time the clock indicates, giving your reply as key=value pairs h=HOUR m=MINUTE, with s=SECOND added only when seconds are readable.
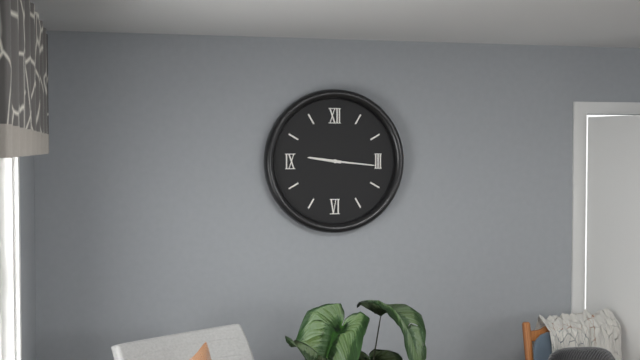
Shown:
h=9 m=16
